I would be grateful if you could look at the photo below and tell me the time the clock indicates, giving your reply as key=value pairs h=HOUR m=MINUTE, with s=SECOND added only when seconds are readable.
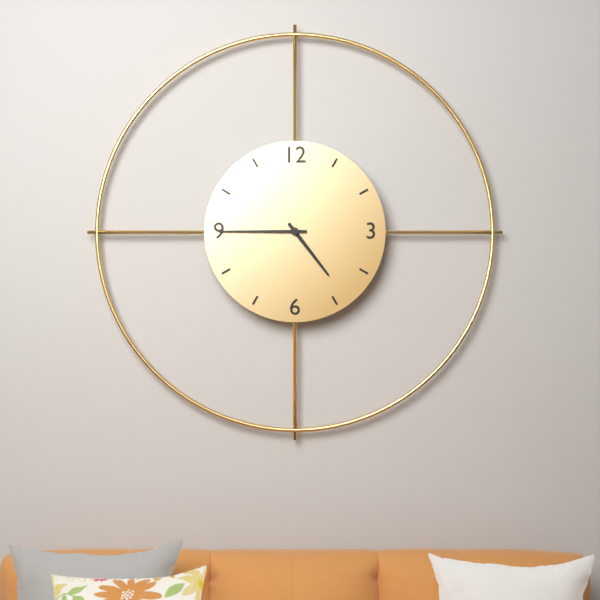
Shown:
h=4 m=45
